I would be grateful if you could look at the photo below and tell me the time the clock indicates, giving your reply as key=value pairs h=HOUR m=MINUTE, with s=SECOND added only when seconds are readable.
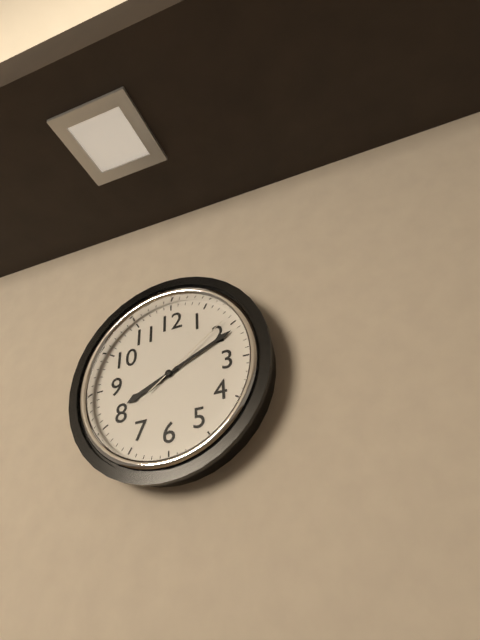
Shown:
h=8 m=11 s=9
